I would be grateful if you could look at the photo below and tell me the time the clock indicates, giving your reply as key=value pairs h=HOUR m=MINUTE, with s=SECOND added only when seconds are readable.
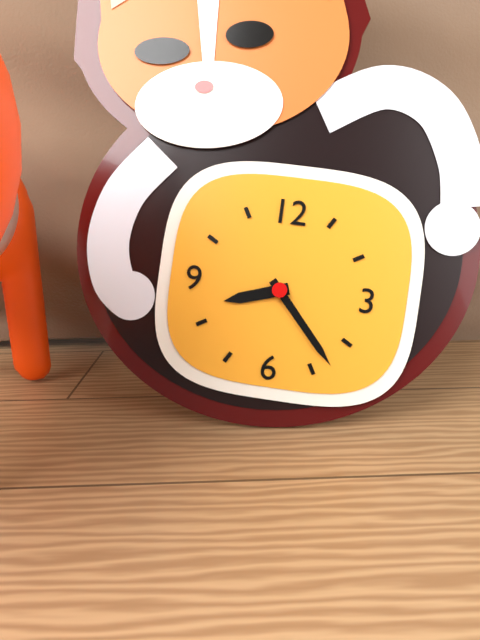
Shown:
h=8 m=23
